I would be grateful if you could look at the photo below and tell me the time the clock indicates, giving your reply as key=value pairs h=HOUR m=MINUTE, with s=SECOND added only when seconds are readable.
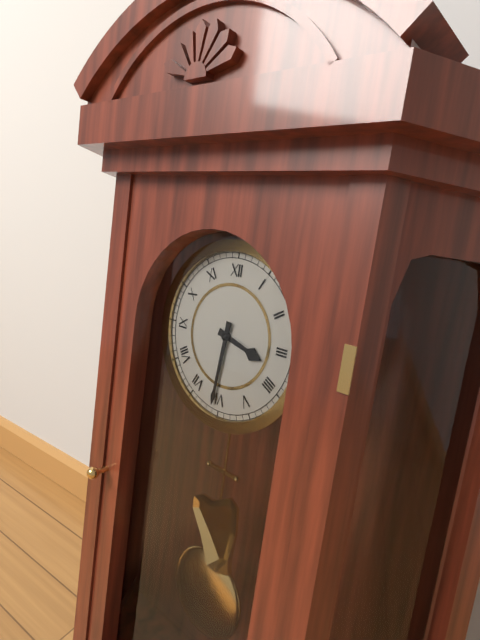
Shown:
h=3 m=31
